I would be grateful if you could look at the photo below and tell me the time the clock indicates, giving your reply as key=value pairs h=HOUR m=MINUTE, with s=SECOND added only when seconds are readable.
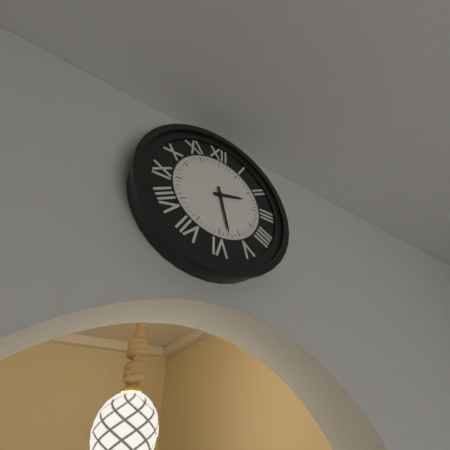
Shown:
h=2 m=28
